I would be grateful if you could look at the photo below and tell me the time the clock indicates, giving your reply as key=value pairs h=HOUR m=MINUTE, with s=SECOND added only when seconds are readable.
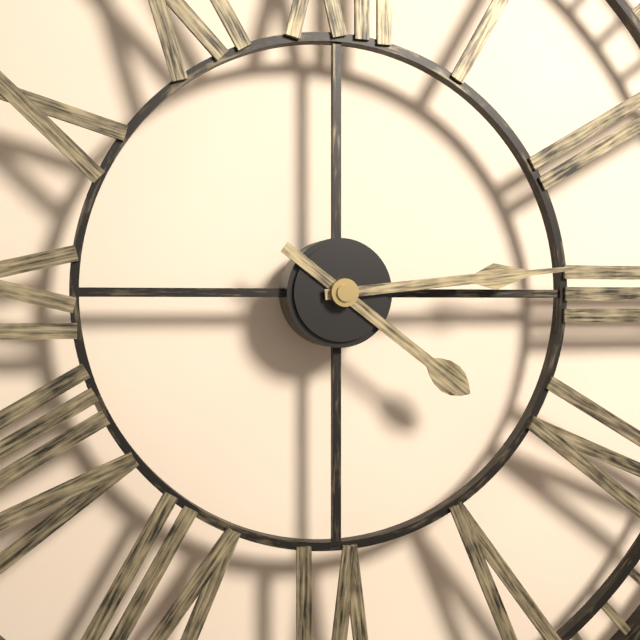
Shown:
h=4 m=14
